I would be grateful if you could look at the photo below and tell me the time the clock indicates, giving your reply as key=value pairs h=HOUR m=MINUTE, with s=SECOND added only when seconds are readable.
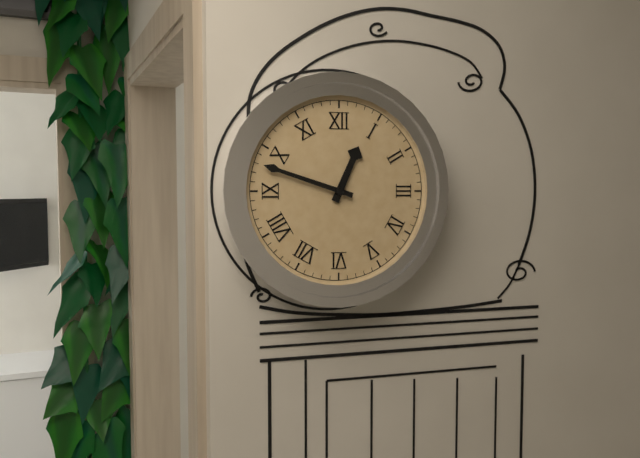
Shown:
h=12 m=48
